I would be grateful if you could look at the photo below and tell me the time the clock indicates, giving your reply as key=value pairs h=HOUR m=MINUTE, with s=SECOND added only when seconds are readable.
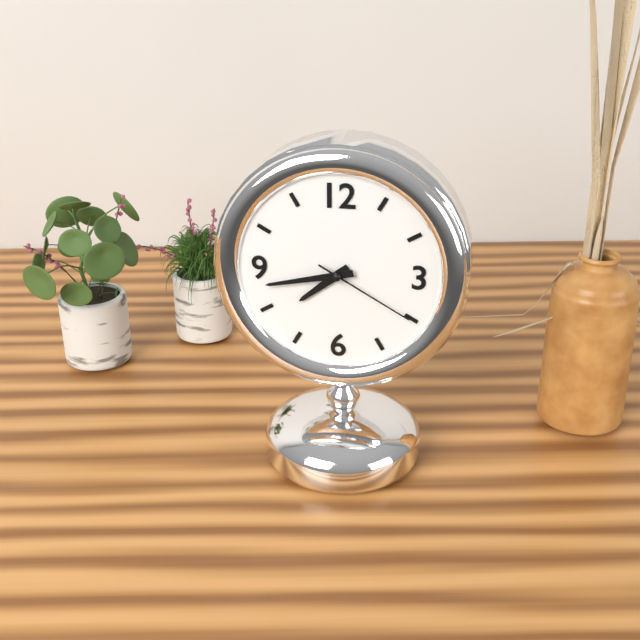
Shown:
h=7 m=43 s=20
